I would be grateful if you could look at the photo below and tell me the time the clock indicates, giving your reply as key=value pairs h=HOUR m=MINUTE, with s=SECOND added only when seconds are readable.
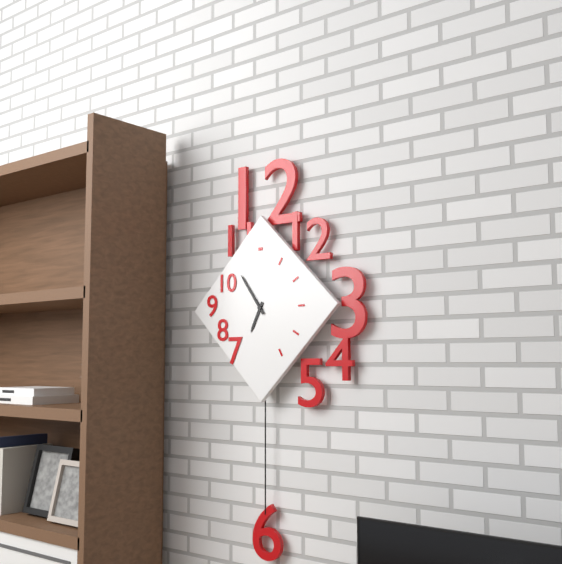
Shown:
h=6 m=54
